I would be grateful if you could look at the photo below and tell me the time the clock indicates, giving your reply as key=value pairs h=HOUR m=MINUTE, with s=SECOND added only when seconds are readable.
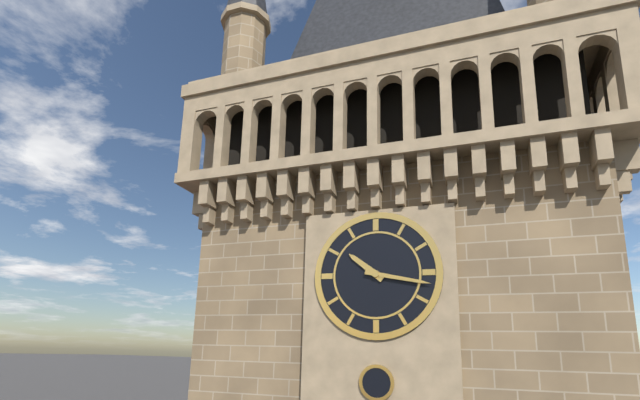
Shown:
h=10 m=17
